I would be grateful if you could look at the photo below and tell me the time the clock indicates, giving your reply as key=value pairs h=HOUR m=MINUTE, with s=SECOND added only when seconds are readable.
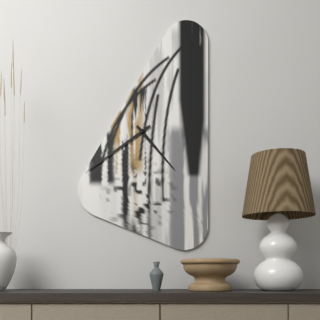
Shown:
h=4 m=39
